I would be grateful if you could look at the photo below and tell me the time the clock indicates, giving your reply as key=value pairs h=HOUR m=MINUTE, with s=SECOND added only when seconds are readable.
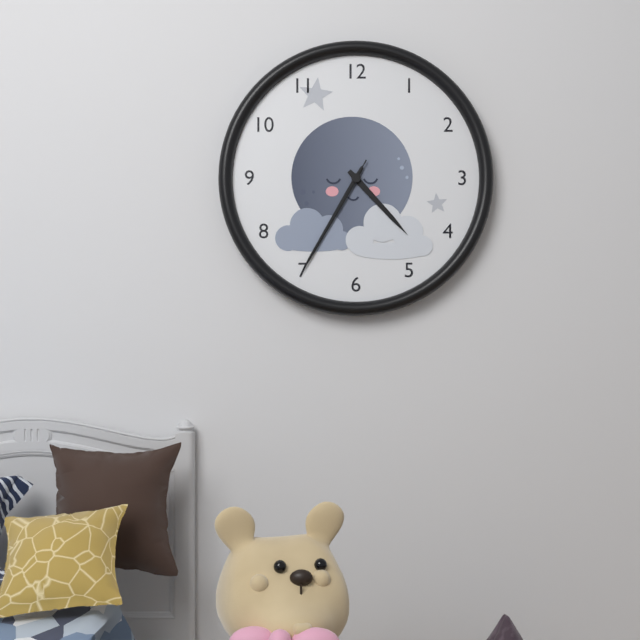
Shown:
h=4 m=35 s=35
